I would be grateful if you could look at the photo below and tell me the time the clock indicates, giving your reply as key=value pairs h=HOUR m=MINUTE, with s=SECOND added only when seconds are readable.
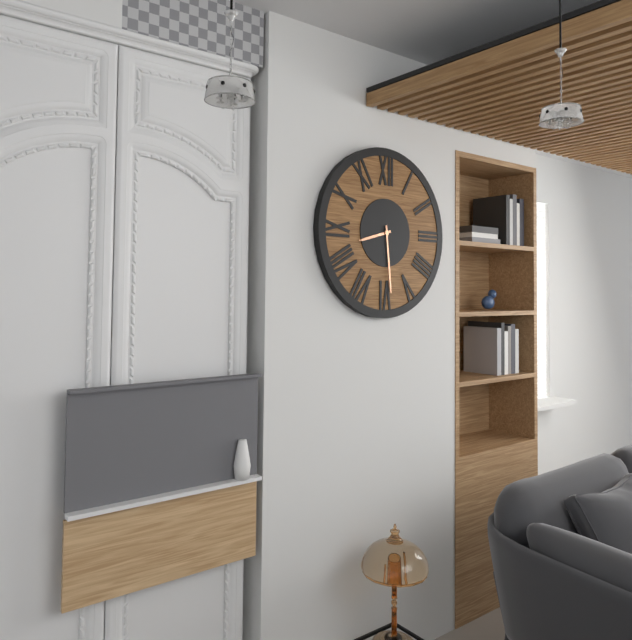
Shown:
h=8 m=29
